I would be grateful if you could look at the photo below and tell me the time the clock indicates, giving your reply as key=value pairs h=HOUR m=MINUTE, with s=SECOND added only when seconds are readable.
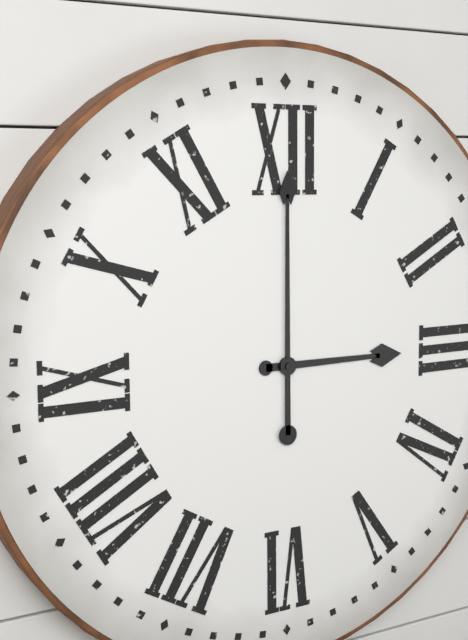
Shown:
h=3 m=0
